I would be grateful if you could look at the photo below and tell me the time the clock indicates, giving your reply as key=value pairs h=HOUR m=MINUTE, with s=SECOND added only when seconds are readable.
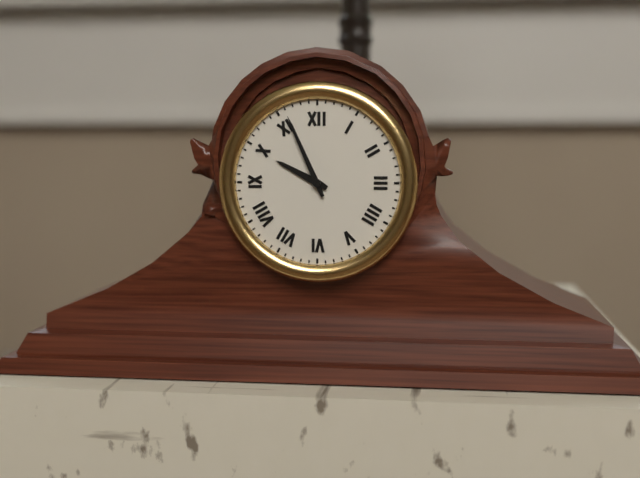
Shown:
h=9 m=56
